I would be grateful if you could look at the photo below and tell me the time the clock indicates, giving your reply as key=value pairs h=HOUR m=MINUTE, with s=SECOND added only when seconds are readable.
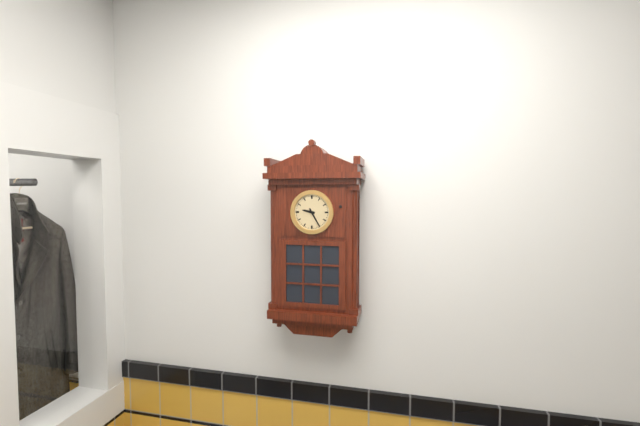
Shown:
h=9 m=25
